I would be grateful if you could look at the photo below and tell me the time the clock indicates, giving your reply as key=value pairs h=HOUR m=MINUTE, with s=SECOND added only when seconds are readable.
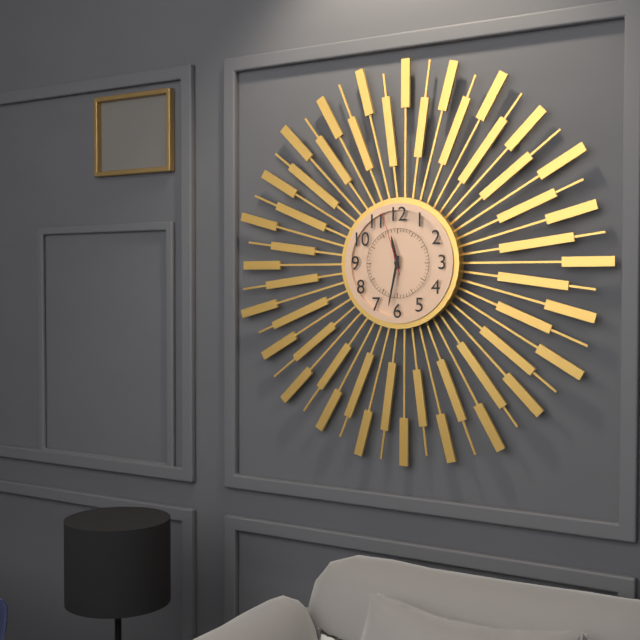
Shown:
h=11 m=32 s=57
